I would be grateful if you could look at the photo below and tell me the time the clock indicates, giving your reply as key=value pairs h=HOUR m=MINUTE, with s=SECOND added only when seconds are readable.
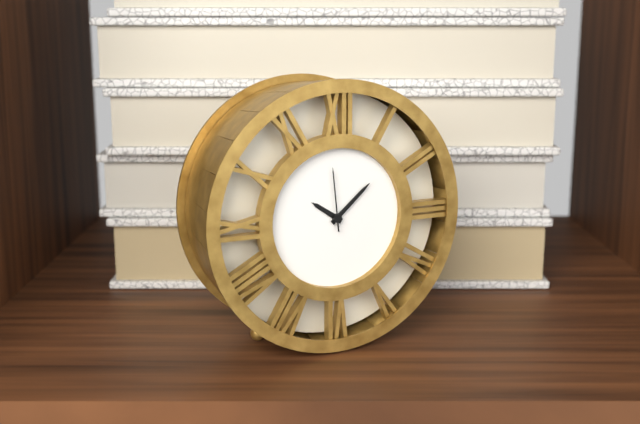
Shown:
h=10 m=8 s=59
